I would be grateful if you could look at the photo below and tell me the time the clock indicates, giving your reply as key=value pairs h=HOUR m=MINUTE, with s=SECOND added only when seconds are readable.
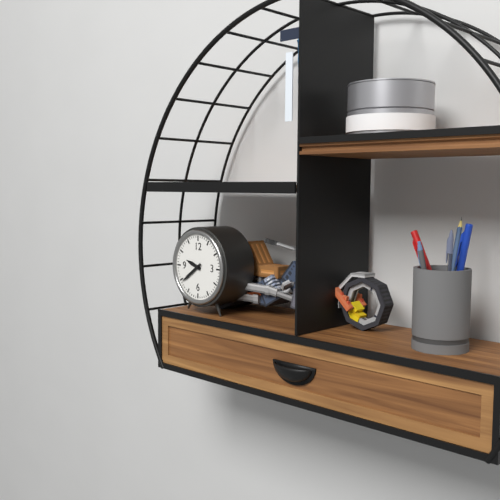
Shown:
h=9 m=39
